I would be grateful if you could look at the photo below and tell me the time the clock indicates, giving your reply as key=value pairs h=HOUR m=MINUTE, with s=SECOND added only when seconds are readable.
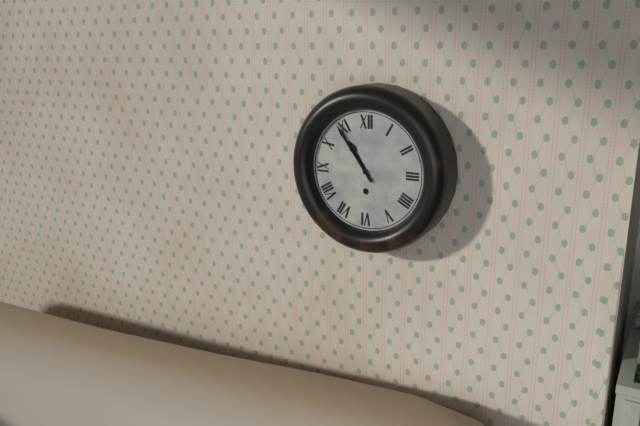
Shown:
h=10 m=54
